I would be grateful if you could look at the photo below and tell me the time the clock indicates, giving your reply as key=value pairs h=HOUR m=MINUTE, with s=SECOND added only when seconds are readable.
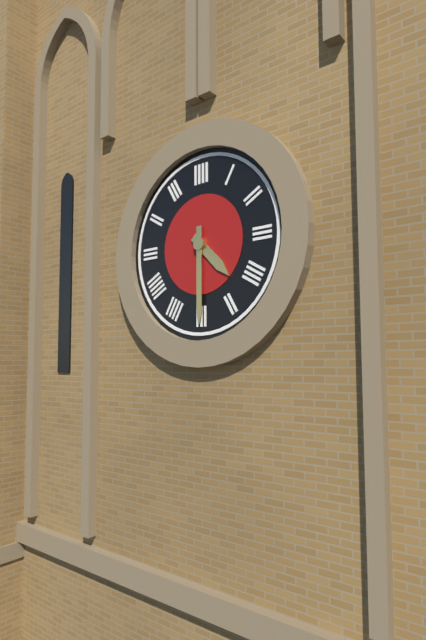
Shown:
h=4 m=30
